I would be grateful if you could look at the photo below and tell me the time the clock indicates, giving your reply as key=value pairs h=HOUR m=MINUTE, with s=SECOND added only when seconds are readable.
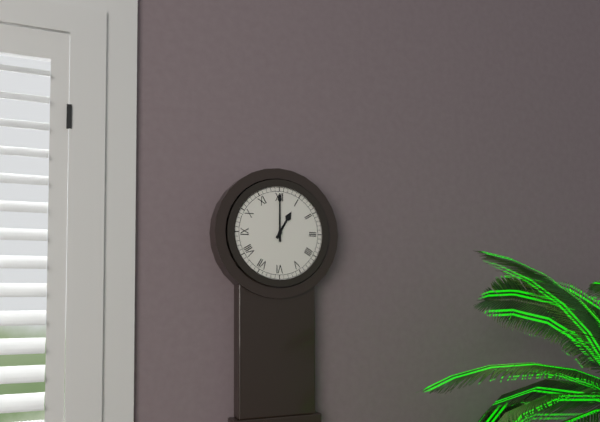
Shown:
h=1 m=0
